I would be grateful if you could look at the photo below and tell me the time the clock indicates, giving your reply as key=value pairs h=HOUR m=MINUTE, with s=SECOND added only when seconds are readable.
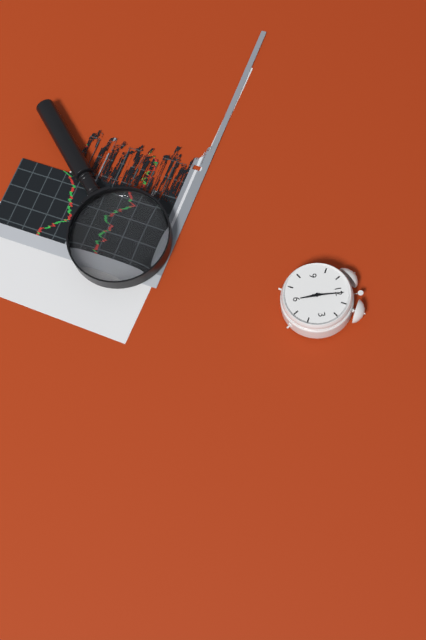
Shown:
h=6 m=1
